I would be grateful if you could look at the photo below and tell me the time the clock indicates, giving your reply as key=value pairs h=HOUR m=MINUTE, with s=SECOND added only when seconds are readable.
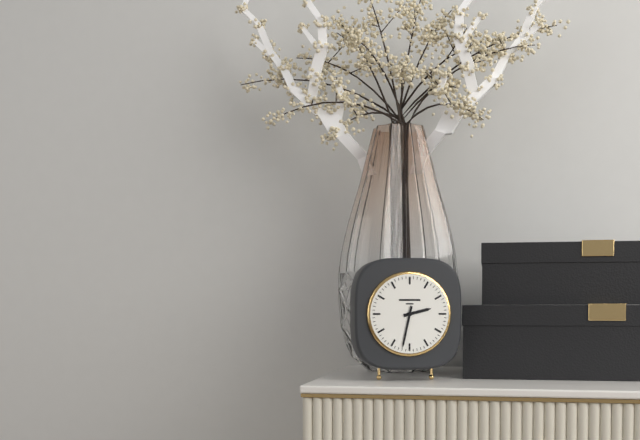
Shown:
h=2 m=32
